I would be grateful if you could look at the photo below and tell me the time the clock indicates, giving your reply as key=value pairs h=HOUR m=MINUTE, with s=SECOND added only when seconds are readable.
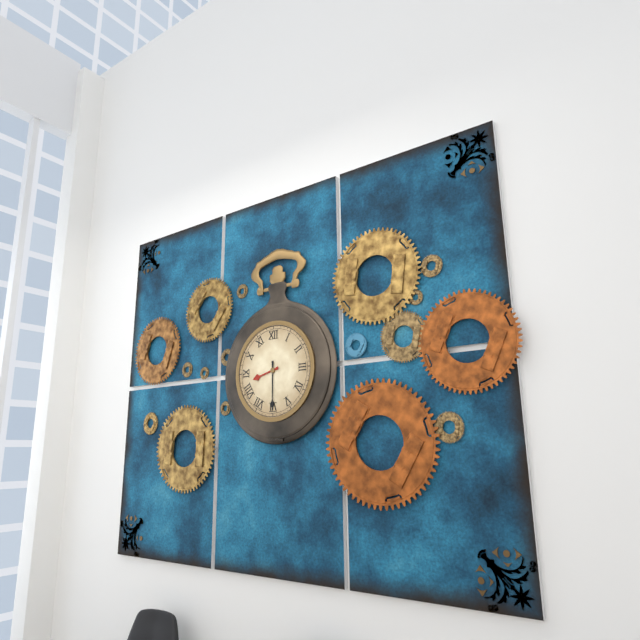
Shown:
h=8 m=30
